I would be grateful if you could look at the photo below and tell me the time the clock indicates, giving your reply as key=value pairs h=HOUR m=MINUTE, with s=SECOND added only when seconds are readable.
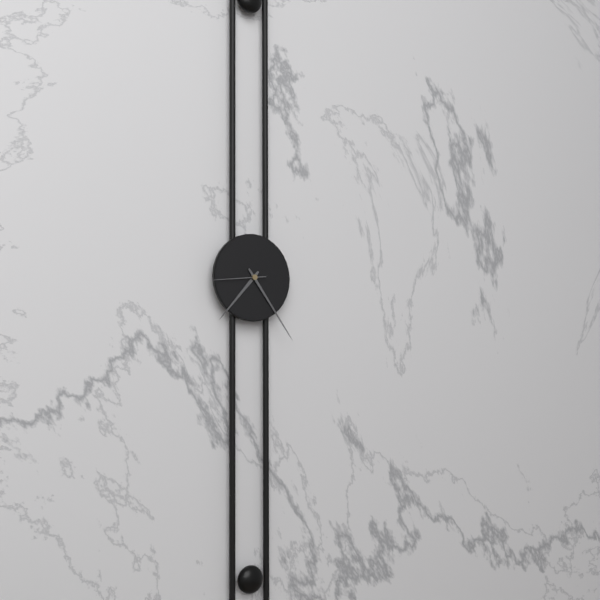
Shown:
h=7 m=24 s=44
